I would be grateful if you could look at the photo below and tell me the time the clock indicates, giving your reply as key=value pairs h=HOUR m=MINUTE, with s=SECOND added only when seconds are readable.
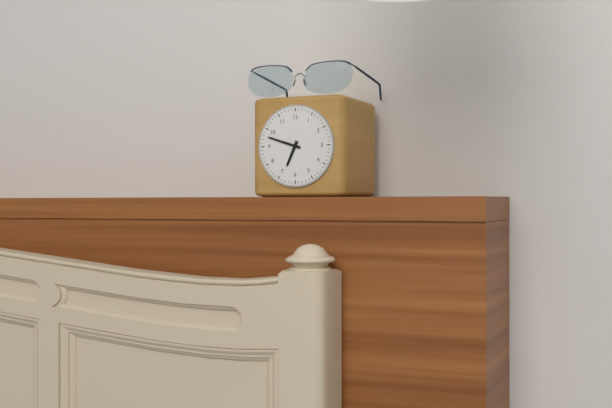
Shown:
h=6 m=48
